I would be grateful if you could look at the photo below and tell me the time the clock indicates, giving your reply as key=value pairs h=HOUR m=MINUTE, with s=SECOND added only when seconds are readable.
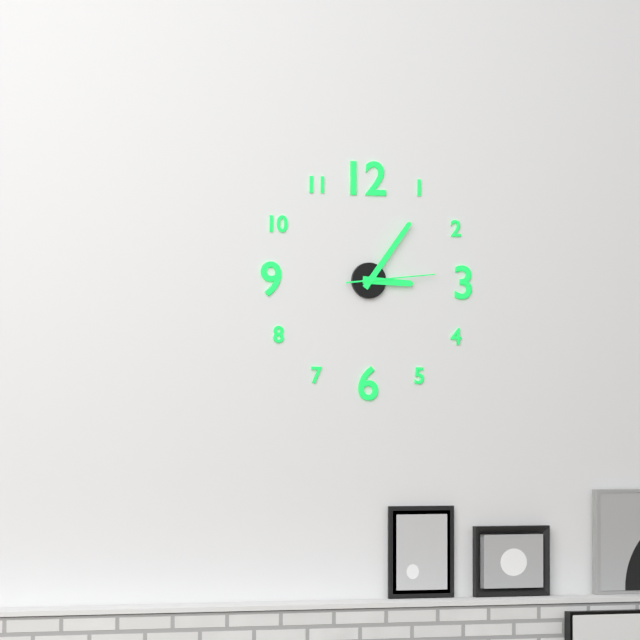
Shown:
h=3 m=6 s=14
